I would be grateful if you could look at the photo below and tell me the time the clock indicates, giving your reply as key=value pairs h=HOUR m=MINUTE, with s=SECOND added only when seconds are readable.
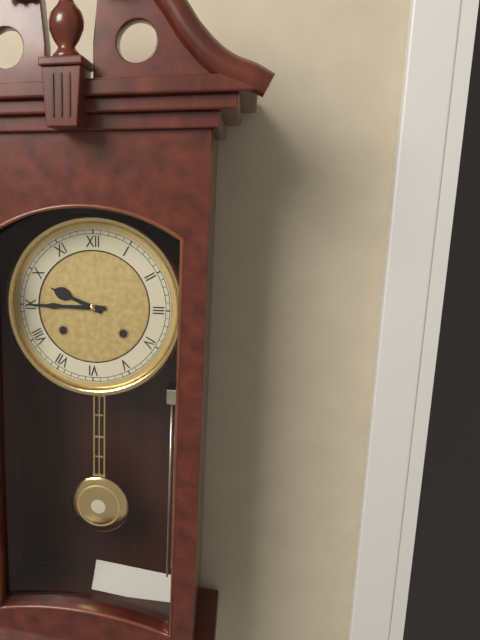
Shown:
h=9 m=45
